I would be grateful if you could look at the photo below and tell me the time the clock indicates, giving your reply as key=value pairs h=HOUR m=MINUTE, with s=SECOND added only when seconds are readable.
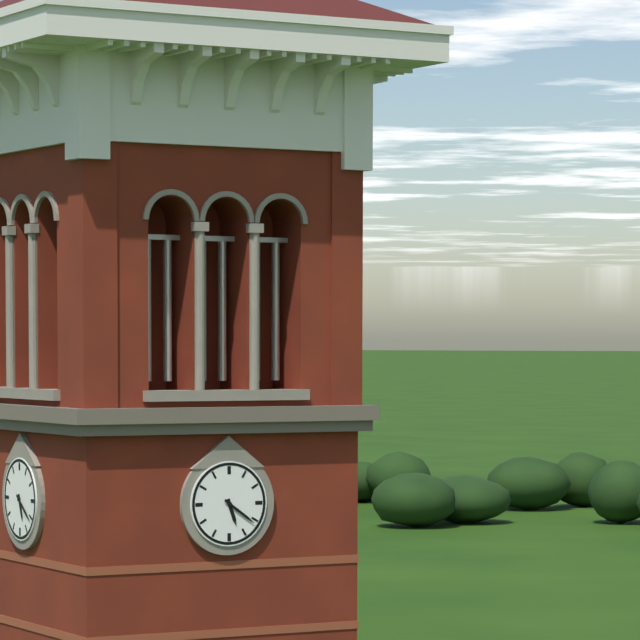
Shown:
h=5 m=21
